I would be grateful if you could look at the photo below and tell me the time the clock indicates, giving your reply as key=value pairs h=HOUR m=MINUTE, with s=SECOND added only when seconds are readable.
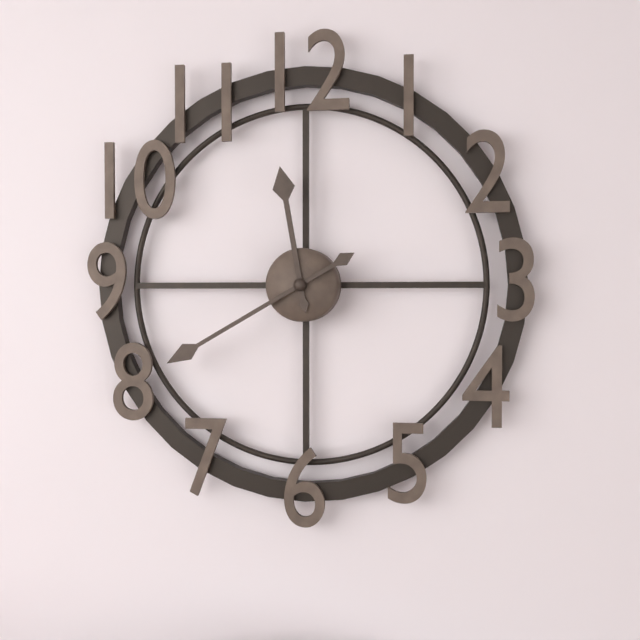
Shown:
h=11 m=40
